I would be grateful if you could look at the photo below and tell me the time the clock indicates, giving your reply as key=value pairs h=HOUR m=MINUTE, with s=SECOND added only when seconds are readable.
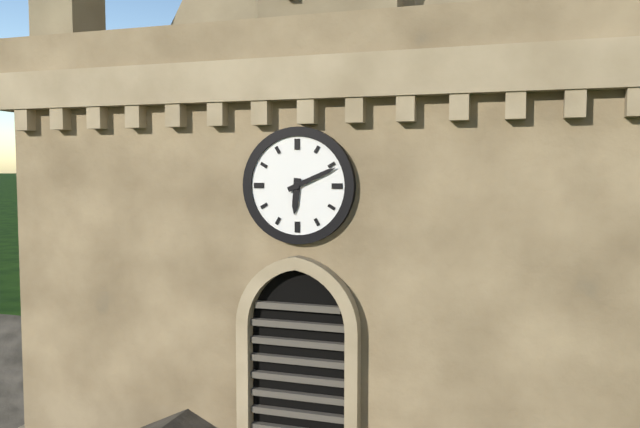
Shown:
h=6 m=11
